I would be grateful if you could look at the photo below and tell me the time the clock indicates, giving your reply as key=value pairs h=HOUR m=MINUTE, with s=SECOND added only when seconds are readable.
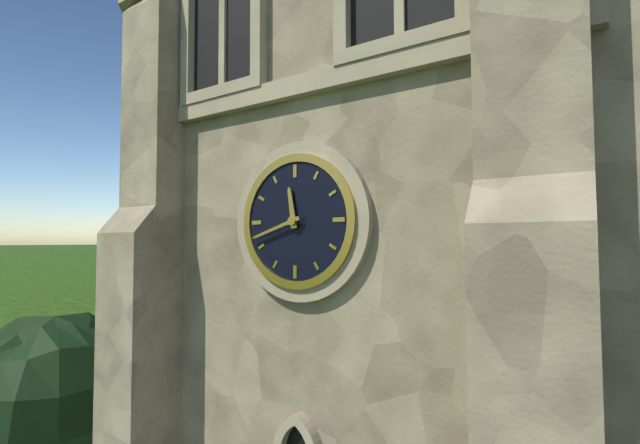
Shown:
h=11 m=42
